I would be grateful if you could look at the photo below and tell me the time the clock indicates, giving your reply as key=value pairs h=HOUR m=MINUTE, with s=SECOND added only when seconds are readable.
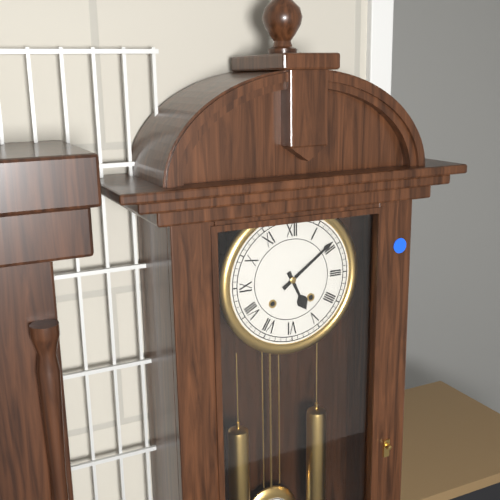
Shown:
h=5 m=9
